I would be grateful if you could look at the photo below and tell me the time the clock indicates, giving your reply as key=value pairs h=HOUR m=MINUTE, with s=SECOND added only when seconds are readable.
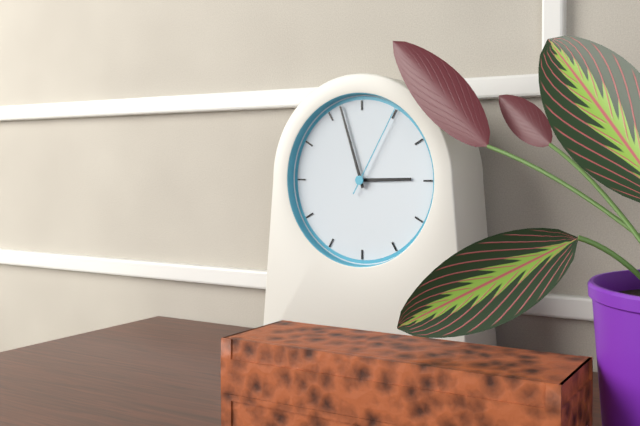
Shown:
h=2 m=57 s=5
